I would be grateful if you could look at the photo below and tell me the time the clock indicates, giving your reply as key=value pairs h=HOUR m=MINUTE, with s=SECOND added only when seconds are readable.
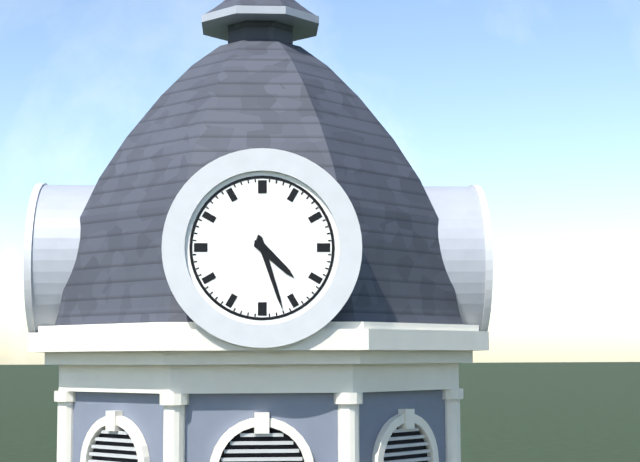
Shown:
h=4 m=27
